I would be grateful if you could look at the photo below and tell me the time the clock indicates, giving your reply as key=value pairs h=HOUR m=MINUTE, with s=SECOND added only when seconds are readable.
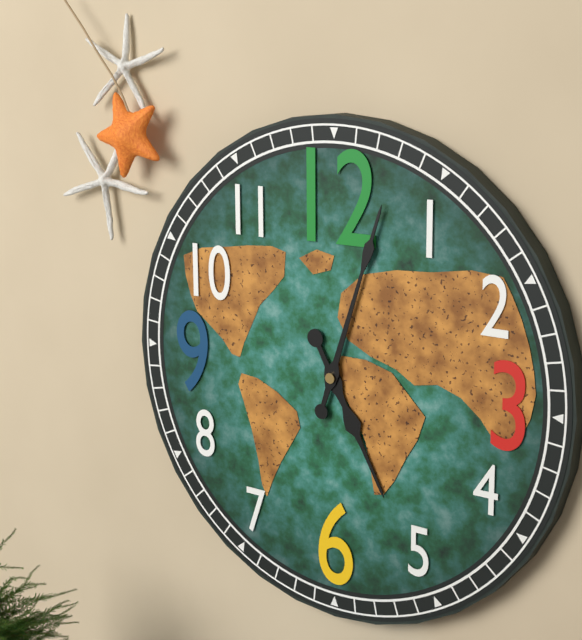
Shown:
h=5 m=3
